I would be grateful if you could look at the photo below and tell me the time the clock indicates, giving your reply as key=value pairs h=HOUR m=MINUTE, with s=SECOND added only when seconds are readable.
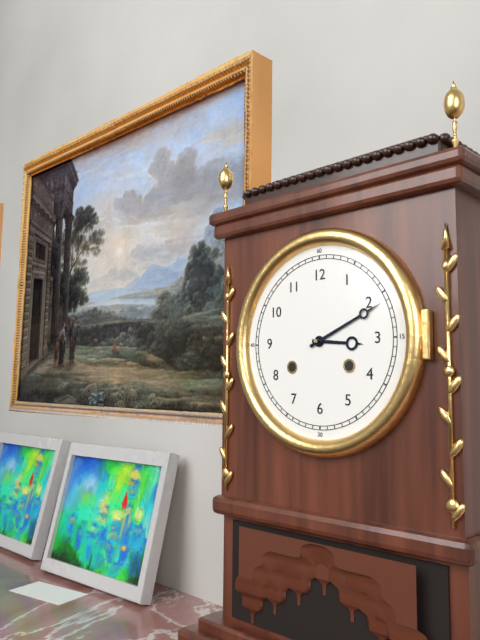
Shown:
h=3 m=11
